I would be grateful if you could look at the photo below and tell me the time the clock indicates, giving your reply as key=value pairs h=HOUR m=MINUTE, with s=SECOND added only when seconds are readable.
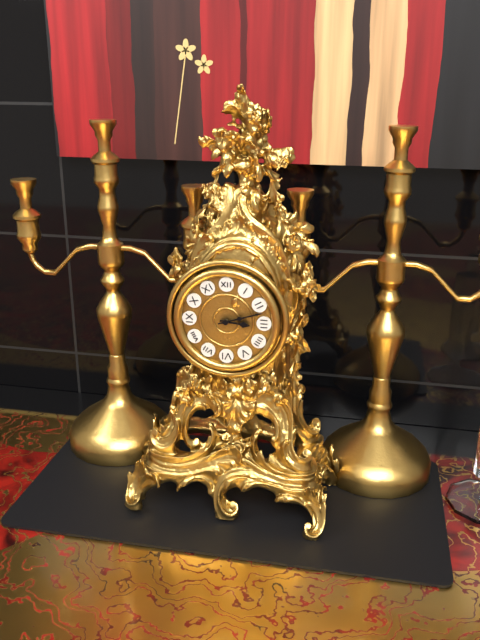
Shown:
h=3 m=12
